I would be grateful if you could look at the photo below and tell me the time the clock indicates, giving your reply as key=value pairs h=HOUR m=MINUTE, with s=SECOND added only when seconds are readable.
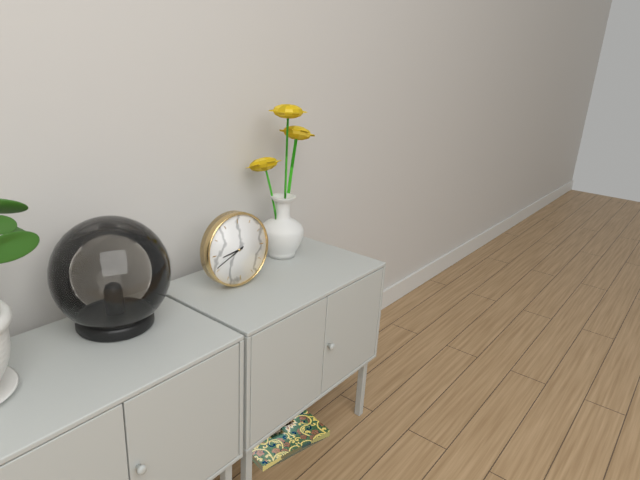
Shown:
h=8 m=41
